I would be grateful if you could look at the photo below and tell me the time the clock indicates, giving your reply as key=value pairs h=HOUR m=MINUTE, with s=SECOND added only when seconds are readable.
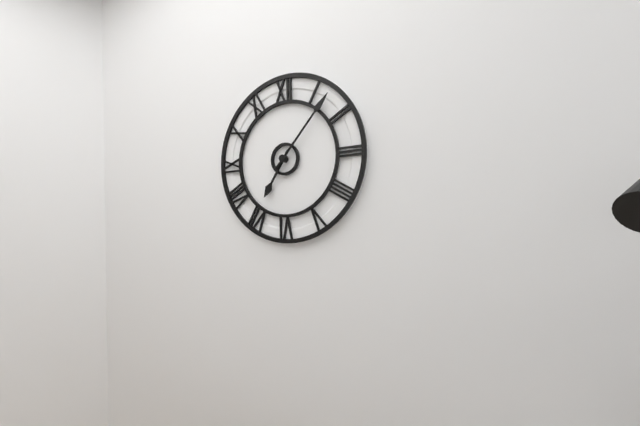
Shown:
h=7 m=7
